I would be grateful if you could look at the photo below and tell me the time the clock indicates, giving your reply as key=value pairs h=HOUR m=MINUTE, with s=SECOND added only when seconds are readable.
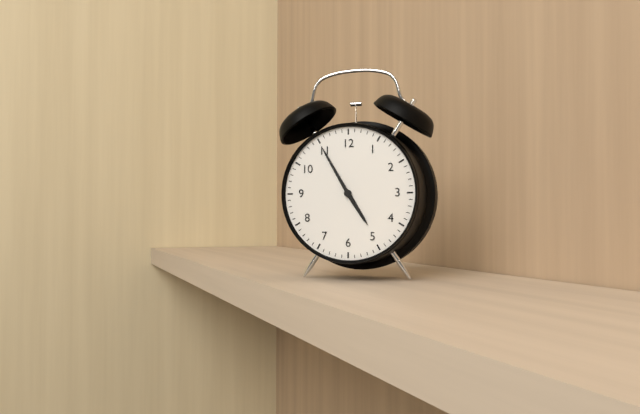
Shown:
h=4 m=55
